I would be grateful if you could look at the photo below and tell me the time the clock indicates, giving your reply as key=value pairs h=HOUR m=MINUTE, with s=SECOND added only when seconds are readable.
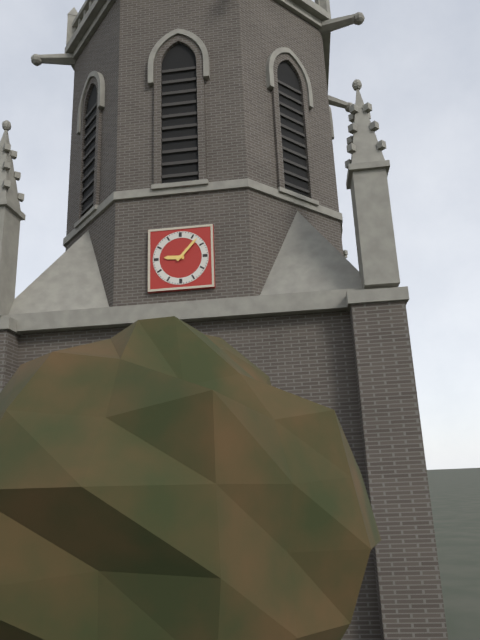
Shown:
h=9 m=7
